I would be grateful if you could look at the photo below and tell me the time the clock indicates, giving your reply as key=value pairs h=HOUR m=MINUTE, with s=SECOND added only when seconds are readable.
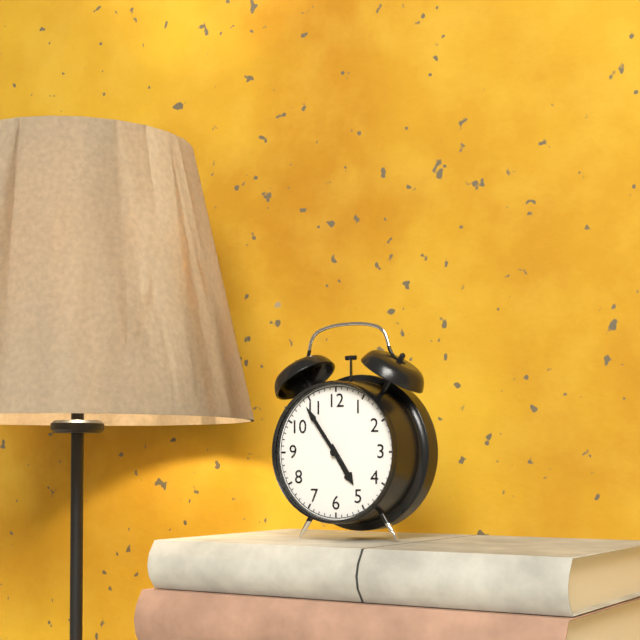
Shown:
h=4 m=54
